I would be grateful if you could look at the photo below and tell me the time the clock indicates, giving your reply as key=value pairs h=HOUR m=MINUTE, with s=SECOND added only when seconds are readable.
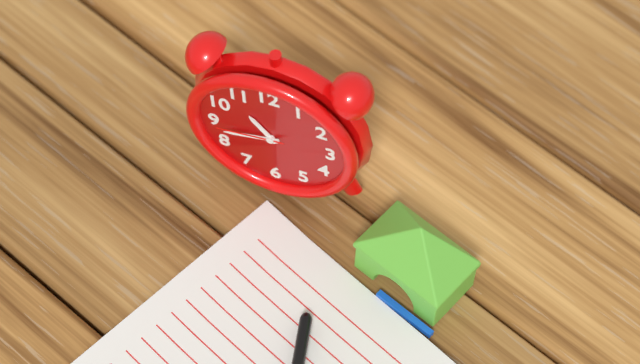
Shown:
h=10 m=43 s=44
